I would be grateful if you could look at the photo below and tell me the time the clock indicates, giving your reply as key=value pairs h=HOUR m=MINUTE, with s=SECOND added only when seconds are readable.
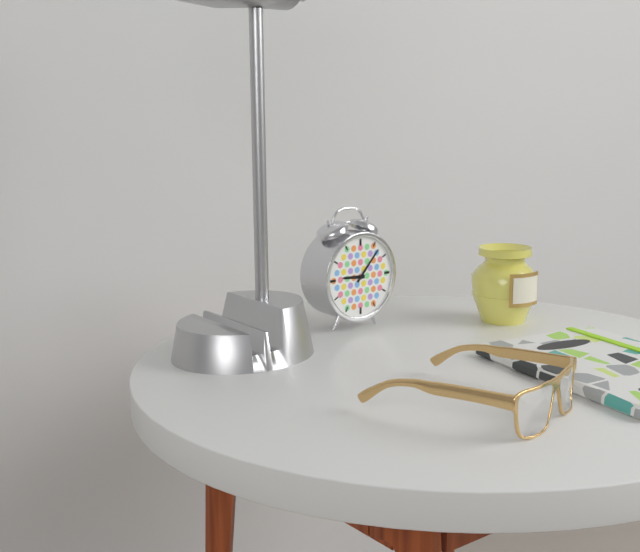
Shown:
h=9 m=7
